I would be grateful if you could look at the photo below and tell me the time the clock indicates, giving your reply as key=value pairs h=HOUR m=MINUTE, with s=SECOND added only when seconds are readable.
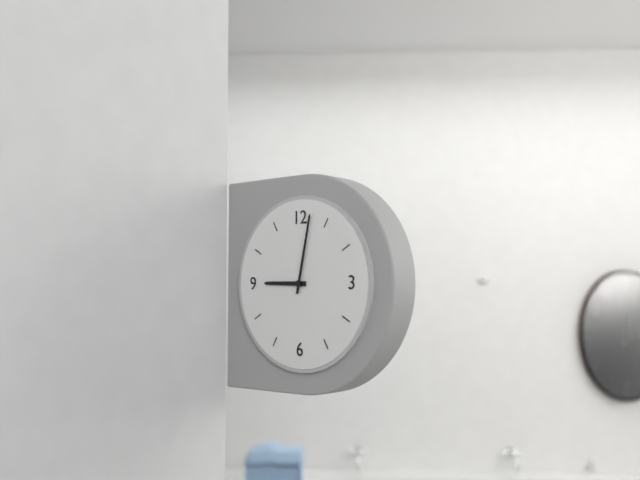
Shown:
h=9 m=2
